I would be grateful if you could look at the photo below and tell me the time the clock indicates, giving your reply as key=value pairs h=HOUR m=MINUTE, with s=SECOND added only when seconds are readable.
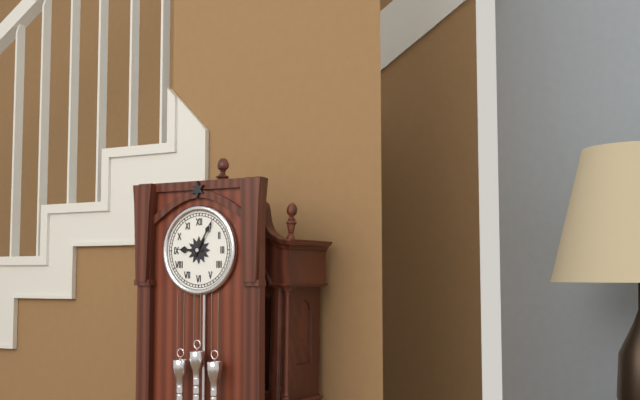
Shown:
h=9 m=5
